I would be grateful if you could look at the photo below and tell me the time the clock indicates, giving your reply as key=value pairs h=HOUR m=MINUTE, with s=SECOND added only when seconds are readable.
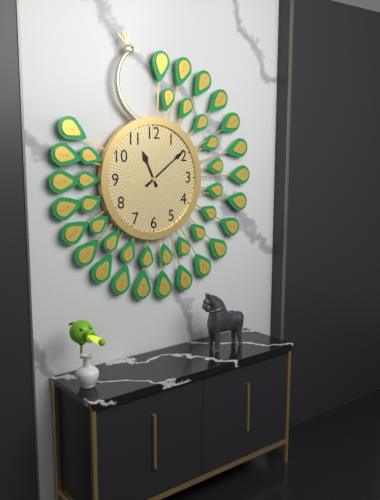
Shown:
h=11 m=9
